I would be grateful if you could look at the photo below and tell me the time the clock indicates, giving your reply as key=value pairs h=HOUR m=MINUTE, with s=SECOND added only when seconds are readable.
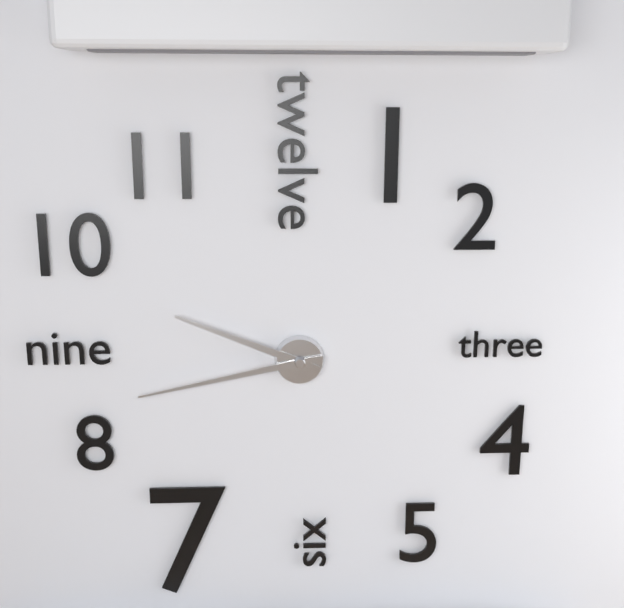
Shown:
h=9 m=43
